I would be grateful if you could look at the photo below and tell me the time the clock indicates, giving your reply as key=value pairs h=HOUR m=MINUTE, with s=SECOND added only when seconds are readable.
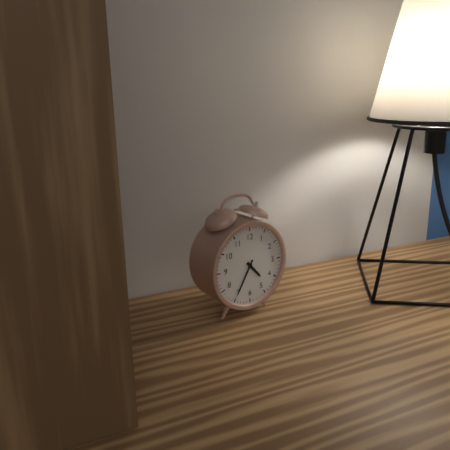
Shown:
h=4 m=35
